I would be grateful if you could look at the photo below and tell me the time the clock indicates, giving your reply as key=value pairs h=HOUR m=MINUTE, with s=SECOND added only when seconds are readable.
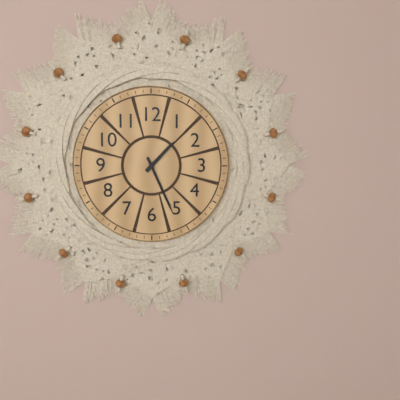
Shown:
h=1 m=26
